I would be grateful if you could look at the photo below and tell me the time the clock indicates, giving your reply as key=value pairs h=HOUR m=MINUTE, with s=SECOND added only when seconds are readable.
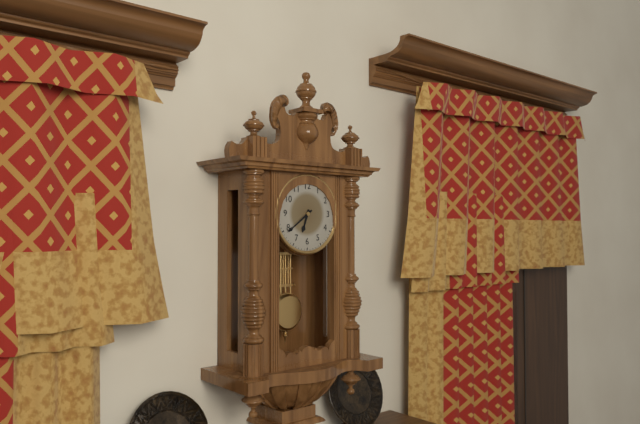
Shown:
h=6 m=39
